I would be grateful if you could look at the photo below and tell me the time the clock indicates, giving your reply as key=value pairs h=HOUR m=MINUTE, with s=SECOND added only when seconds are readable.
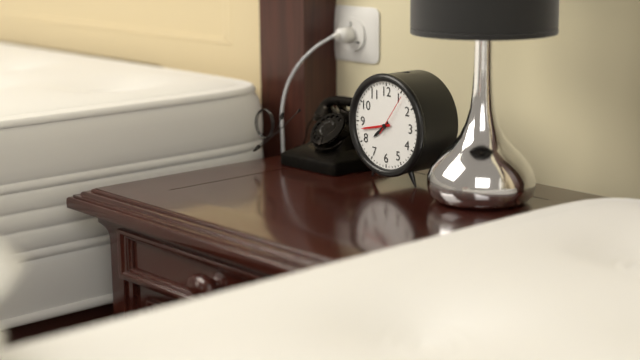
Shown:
h=7 m=43
